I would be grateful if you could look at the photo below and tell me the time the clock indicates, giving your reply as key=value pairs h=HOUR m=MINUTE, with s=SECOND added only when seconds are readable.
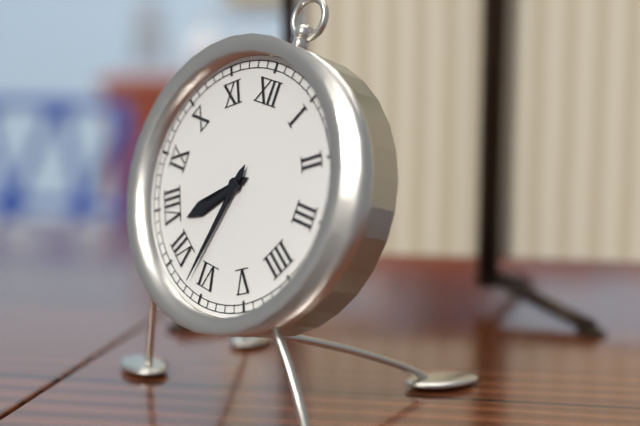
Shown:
h=7 m=32
